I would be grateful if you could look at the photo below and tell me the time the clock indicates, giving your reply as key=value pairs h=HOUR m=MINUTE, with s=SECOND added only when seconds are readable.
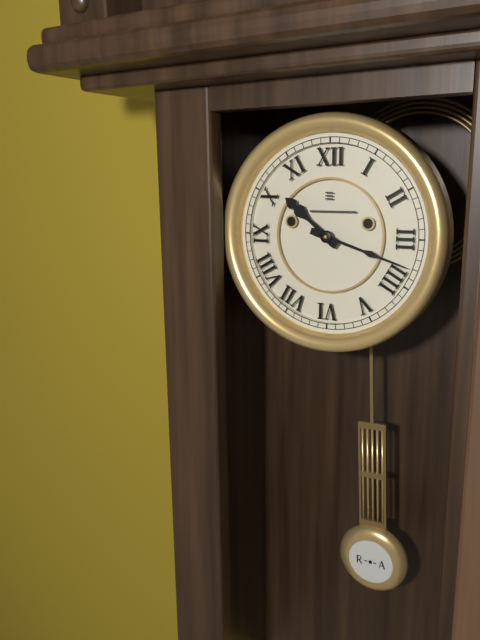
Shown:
h=10 m=18
